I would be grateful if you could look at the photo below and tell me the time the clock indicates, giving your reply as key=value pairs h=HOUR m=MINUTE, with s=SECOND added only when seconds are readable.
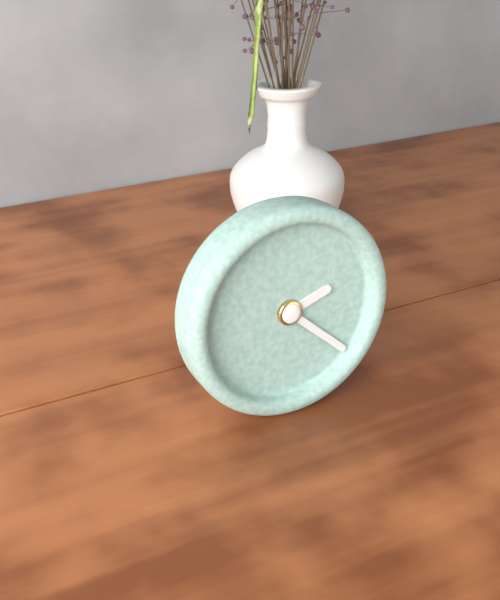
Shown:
h=2 m=22
